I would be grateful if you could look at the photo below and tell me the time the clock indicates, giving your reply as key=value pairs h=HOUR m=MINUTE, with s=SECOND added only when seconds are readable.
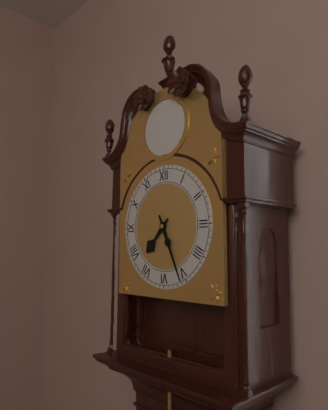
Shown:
h=7 m=26
